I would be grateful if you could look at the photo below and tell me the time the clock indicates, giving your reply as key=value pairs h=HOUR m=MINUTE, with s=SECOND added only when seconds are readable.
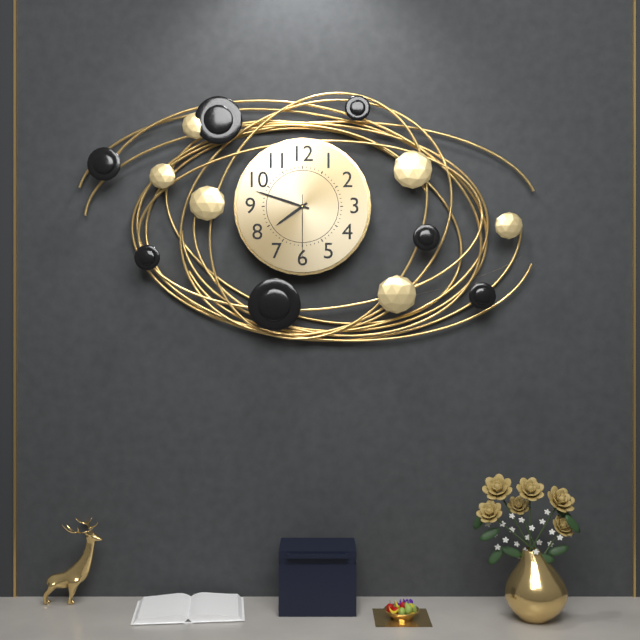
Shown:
h=7 m=48 s=30
